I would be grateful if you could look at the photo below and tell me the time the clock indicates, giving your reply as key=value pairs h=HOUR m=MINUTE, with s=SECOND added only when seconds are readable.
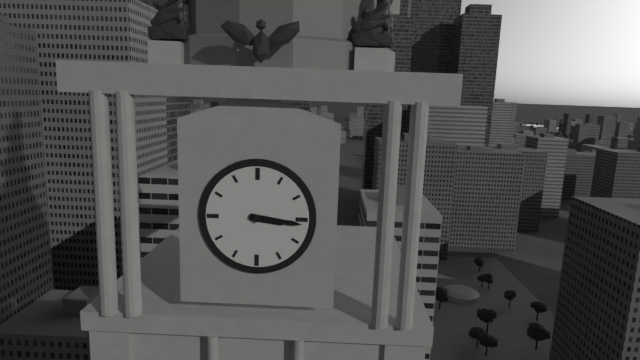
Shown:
h=3 m=16
